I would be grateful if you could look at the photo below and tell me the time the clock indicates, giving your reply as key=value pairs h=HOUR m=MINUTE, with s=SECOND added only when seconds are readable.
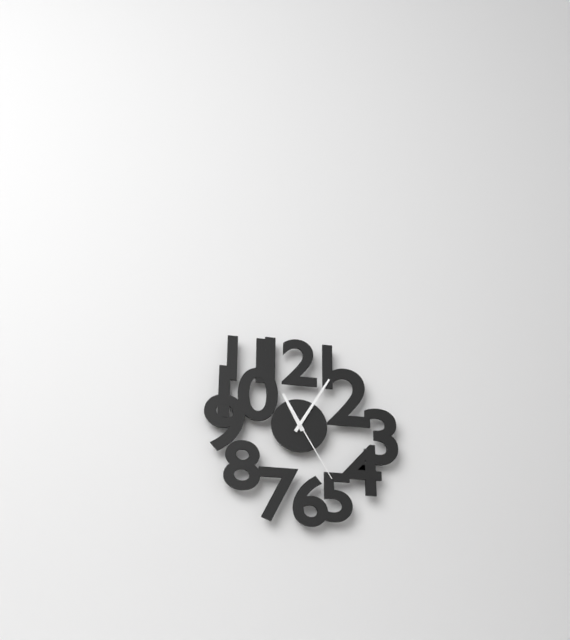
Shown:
h=11 m=5 s=25
